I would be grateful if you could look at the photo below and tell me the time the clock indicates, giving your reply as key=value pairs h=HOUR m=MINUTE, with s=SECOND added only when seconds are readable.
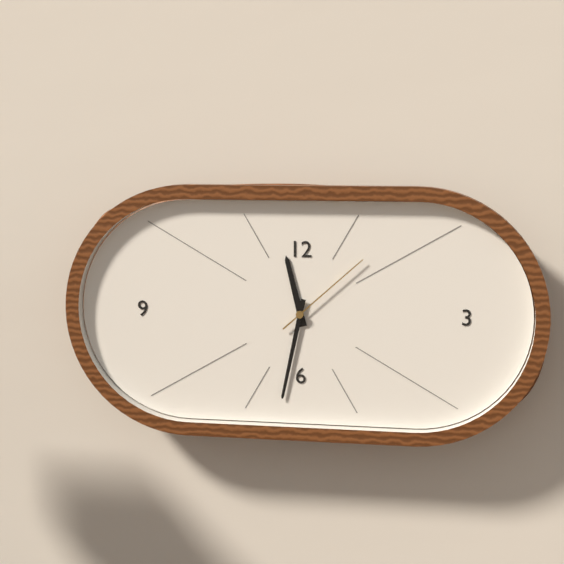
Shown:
h=11 m=32 s=8
